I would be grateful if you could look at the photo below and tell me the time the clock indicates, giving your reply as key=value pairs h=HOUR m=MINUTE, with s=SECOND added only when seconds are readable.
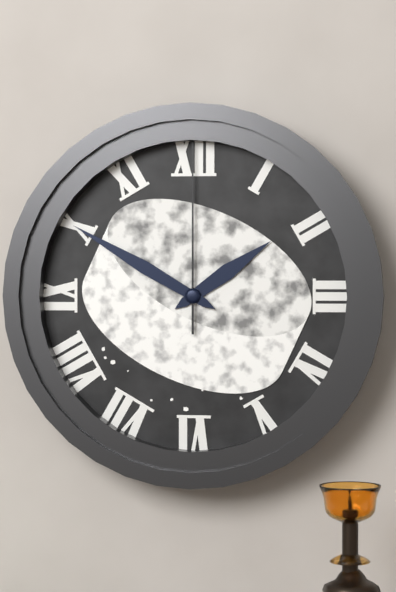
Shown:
h=1 m=50 s=0
